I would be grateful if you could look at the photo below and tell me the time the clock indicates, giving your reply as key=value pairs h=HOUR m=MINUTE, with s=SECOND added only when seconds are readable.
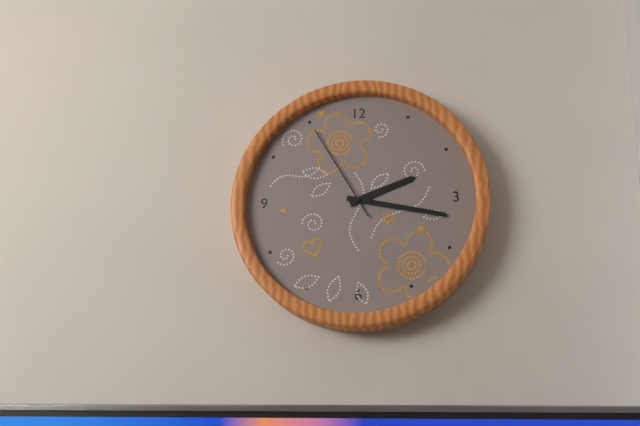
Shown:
h=2 m=17 s=55
